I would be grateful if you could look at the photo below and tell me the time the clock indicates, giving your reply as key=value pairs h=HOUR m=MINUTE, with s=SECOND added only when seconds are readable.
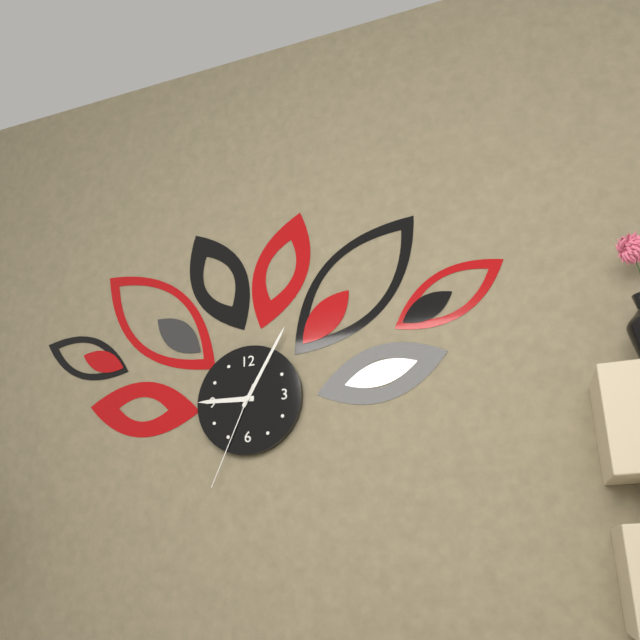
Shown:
h=9 m=5 s=34
